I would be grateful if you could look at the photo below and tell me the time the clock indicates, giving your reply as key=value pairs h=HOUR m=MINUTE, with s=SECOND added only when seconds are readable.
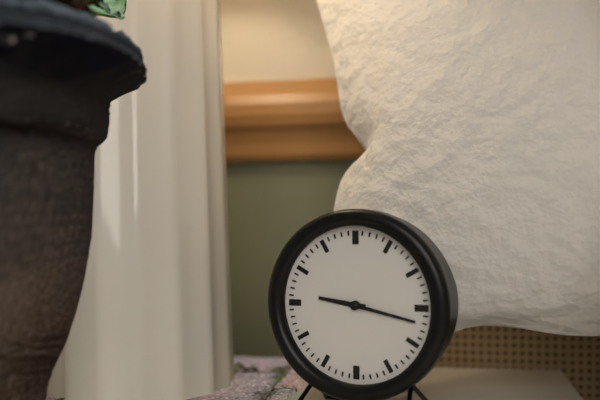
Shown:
h=9 m=17
